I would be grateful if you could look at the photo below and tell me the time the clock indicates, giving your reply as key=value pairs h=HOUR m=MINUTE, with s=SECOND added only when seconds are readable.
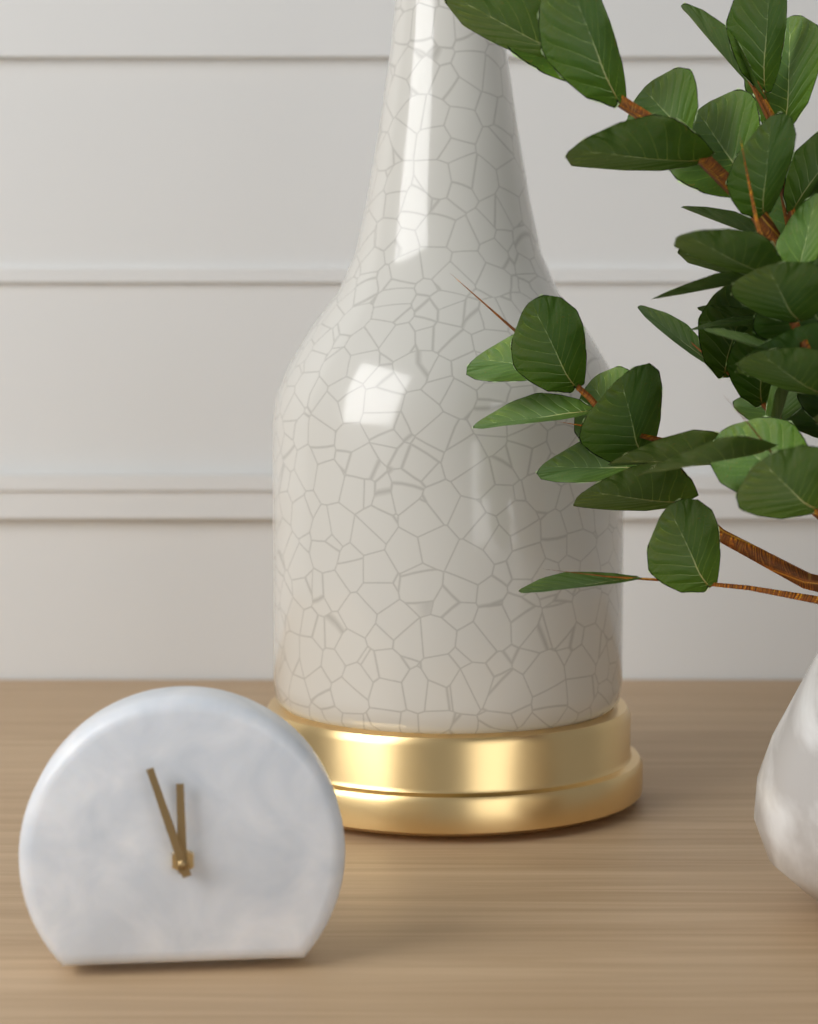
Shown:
h=11 m=57
